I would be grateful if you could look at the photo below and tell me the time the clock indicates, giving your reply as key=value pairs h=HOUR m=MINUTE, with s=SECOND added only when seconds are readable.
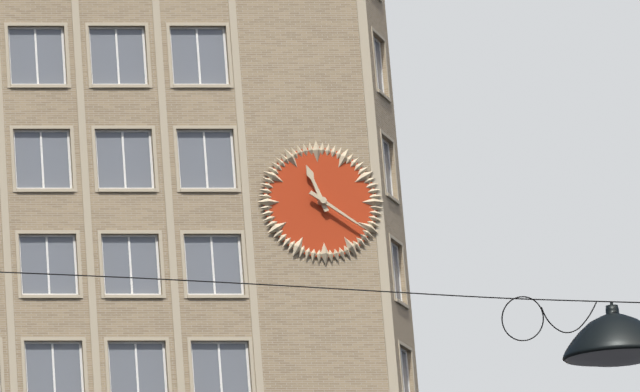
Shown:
h=11 m=21
